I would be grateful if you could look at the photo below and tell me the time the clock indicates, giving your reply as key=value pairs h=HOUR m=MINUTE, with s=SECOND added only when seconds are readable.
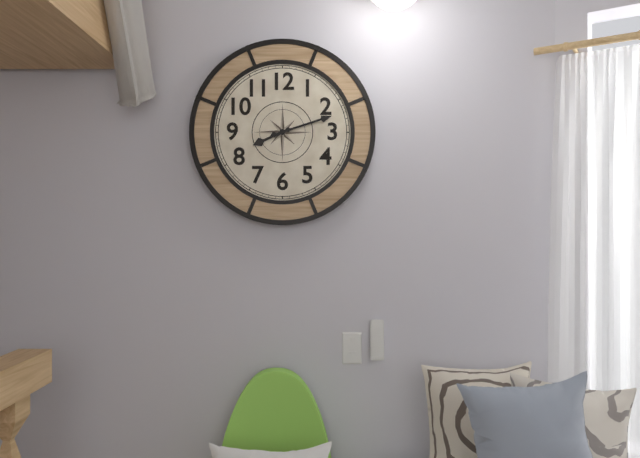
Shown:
h=8 m=12
